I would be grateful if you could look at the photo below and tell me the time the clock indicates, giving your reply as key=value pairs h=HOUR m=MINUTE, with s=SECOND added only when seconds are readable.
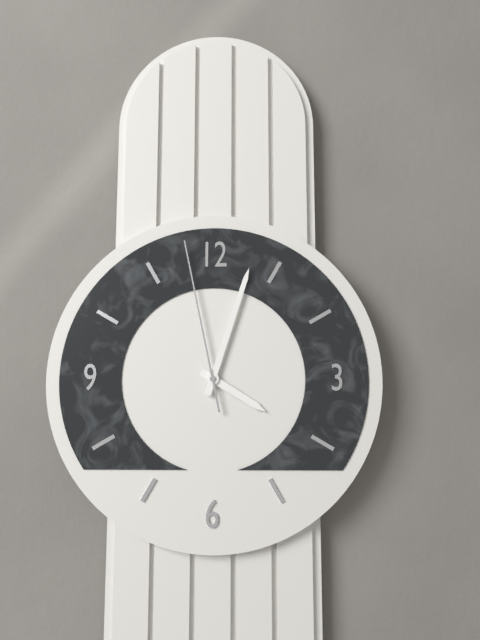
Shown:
h=4 m=3 s=58
